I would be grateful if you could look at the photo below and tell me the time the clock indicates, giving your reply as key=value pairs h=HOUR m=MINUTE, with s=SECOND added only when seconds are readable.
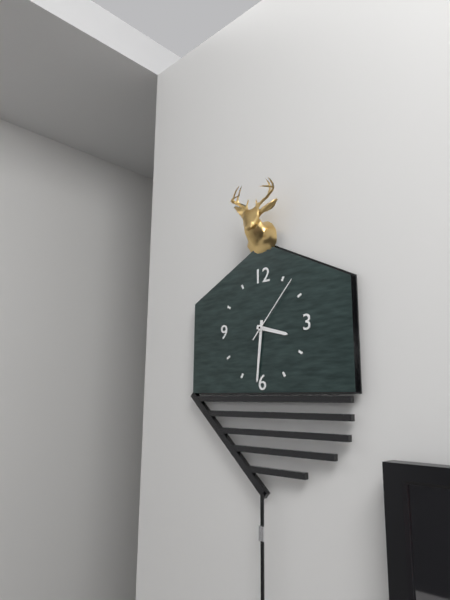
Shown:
h=3 m=31 s=7
